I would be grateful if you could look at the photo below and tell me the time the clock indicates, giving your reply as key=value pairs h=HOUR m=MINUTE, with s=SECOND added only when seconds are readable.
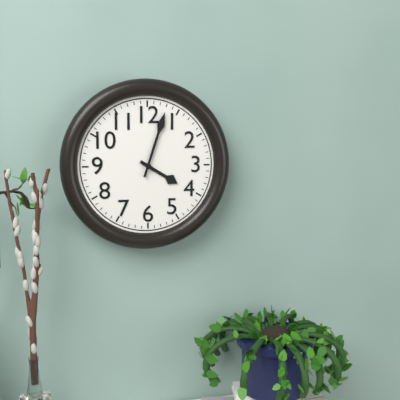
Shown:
h=4 m=3
